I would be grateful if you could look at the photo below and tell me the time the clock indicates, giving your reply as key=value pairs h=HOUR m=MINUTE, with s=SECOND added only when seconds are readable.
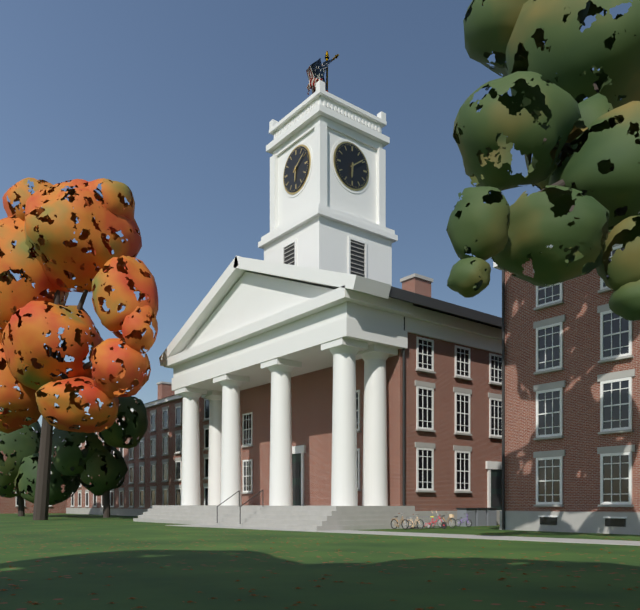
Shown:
h=6 m=9
